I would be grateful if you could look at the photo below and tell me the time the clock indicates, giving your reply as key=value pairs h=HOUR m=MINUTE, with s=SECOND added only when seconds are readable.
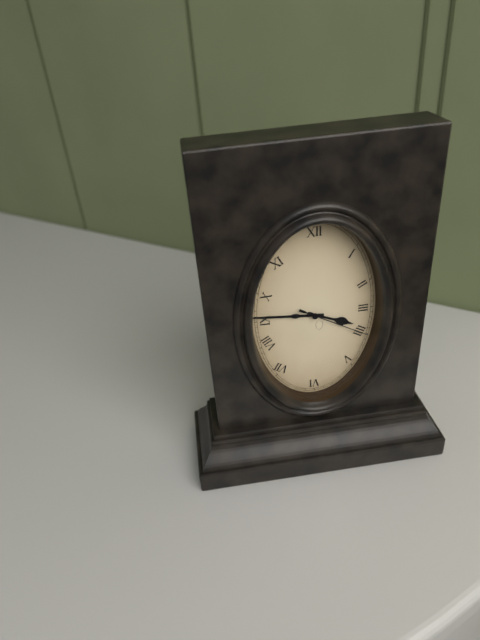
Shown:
h=3 m=46 s=20
